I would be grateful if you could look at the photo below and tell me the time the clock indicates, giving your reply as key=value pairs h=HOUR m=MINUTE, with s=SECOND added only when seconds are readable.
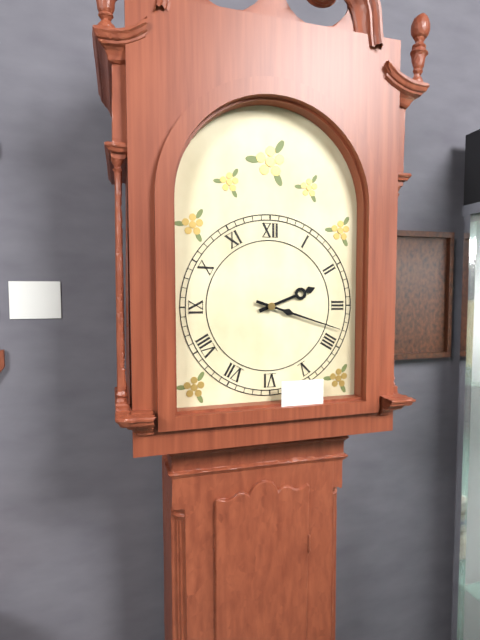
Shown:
h=2 m=18
